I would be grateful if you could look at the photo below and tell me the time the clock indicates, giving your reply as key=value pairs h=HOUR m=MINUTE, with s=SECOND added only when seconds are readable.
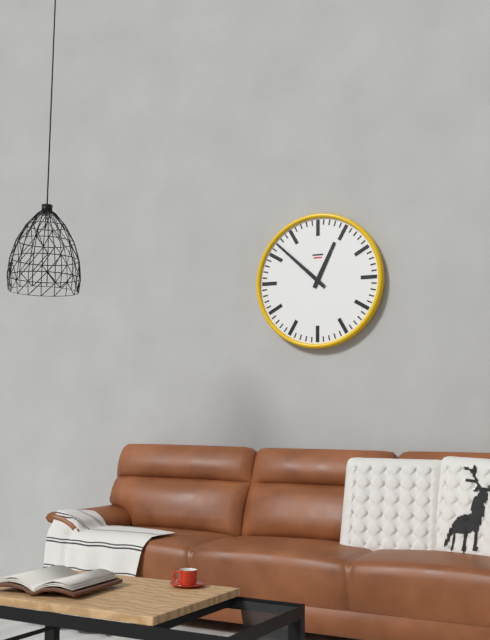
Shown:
h=12 m=52
